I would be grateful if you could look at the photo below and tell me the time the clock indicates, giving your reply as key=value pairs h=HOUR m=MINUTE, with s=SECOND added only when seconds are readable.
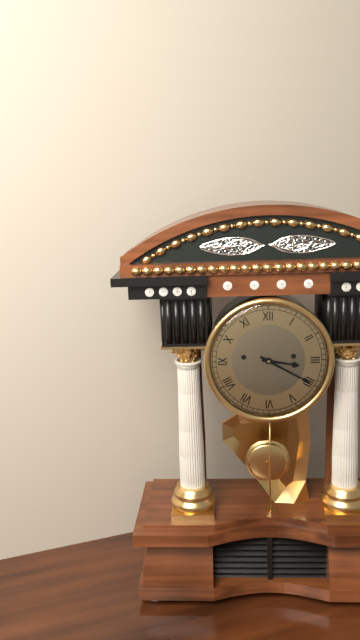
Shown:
h=3 m=20
